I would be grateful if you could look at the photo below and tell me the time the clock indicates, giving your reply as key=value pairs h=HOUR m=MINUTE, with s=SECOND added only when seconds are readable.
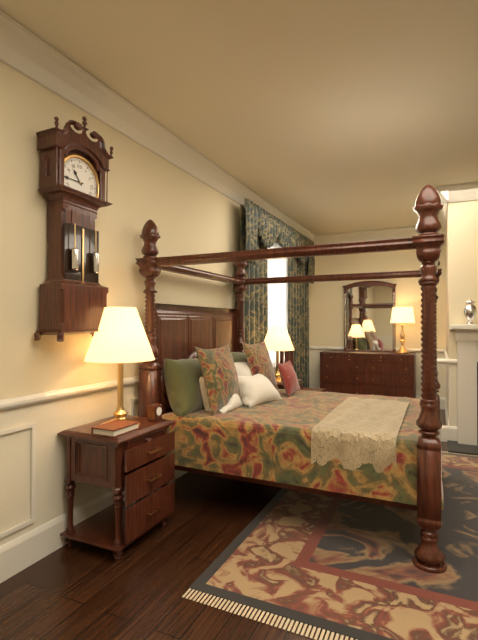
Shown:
h=10 m=45
